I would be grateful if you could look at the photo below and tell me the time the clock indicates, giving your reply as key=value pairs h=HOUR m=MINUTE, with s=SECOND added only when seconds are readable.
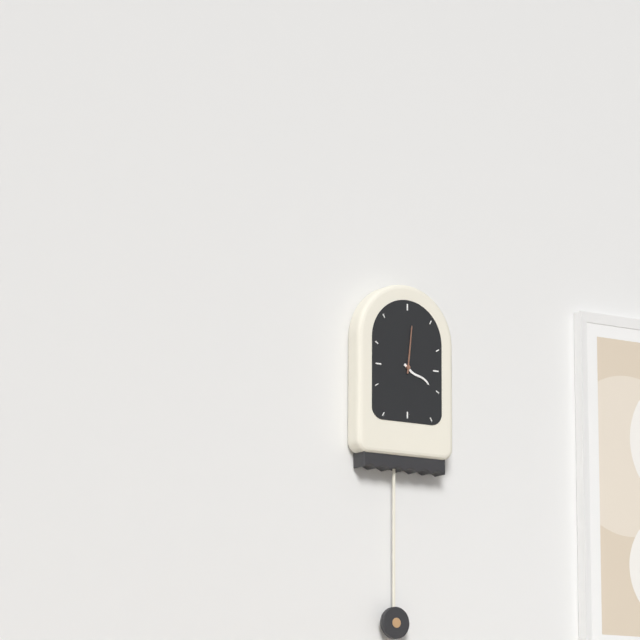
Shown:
h=4 m=1
